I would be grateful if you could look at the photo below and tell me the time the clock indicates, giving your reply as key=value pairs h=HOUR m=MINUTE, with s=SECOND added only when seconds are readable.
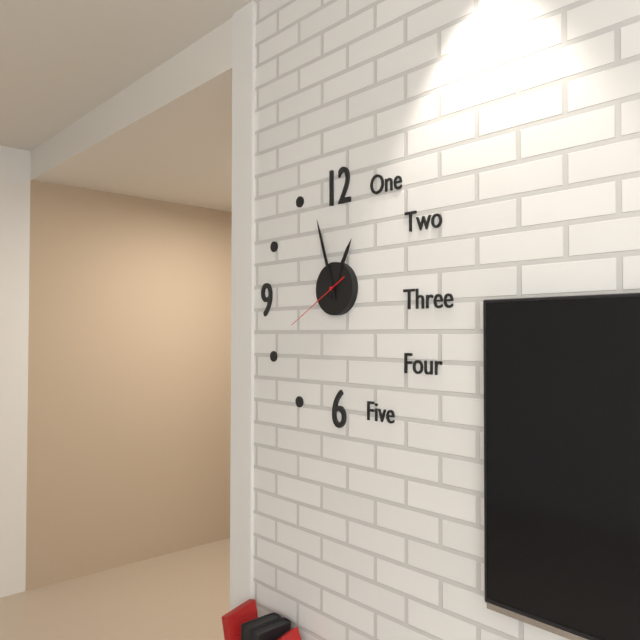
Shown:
h=12 m=57 s=40
